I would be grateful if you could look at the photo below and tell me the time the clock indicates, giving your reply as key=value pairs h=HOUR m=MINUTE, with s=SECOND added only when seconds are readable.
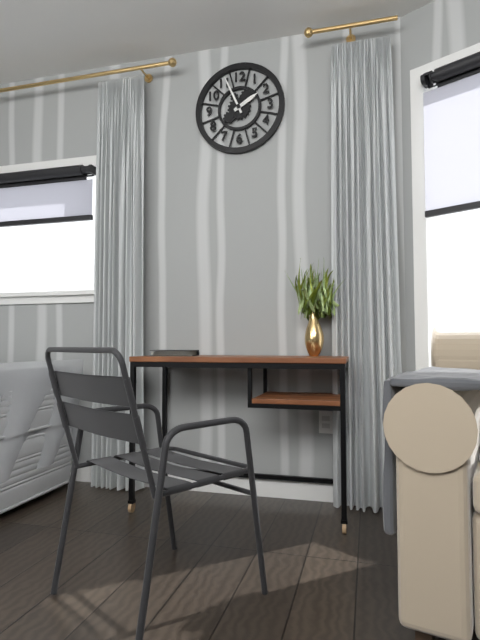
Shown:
h=1 m=56
